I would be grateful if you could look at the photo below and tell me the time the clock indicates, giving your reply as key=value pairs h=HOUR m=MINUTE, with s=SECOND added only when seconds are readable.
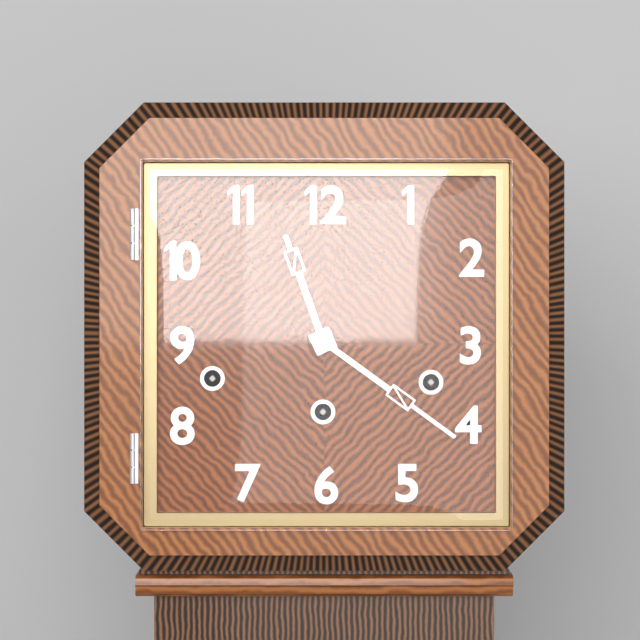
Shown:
h=11 m=21
